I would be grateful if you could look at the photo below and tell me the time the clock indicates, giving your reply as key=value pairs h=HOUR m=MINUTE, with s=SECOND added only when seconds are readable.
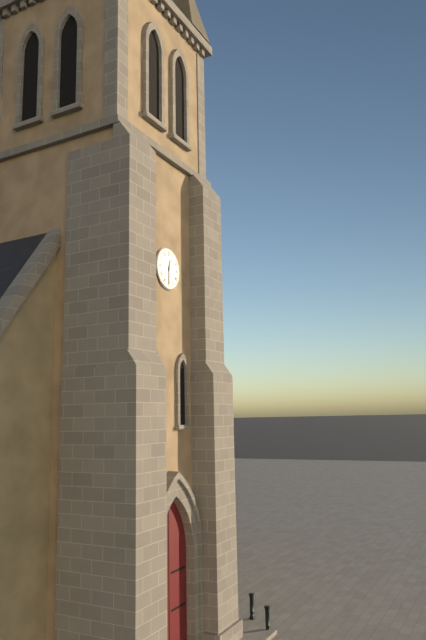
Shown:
h=12 m=30
